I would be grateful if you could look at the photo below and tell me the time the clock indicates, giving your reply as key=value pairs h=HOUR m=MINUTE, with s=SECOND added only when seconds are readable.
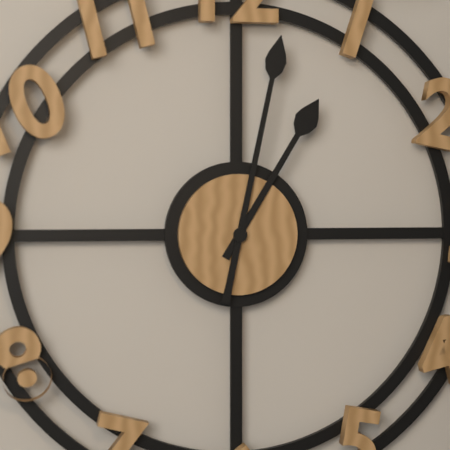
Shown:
h=1 m=2
